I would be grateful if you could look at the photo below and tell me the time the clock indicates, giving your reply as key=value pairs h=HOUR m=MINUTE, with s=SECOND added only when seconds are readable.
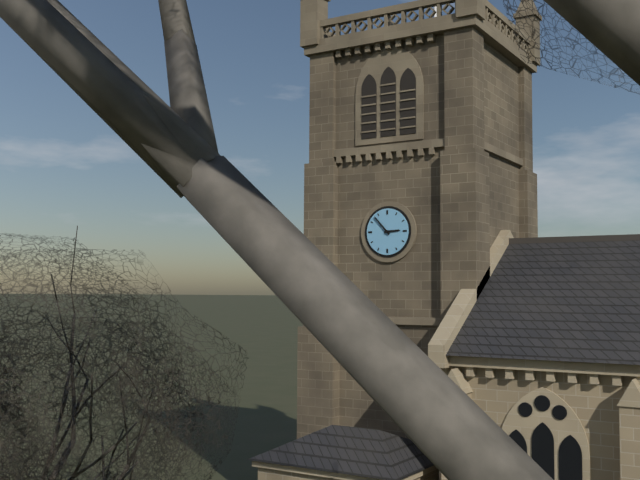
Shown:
h=2 m=53
